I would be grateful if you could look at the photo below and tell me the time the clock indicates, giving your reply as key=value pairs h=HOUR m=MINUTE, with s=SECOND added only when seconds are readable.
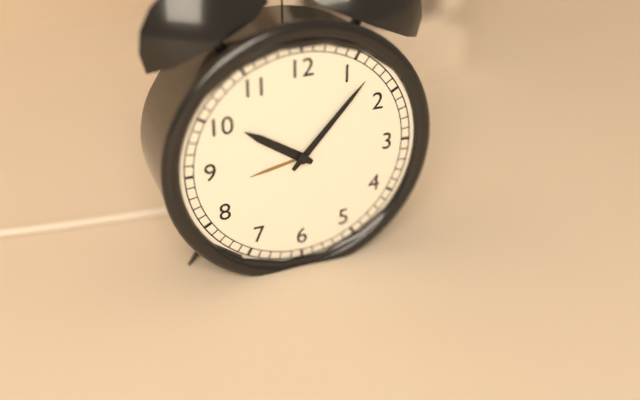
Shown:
h=10 m=7
